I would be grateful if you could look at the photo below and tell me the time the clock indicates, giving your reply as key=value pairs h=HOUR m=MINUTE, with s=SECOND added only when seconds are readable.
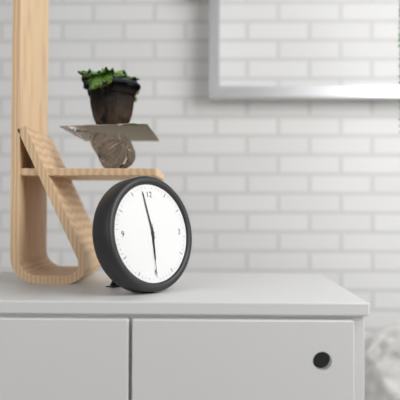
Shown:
h=5 m=58 s=30
